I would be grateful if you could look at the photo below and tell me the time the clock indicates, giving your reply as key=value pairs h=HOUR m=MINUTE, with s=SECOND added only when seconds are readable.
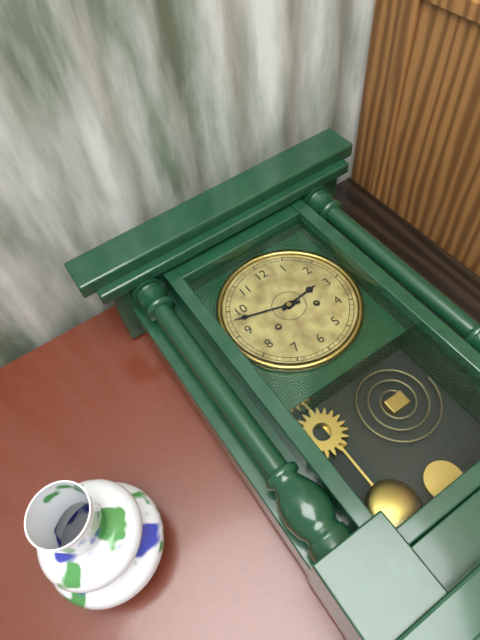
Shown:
h=2 m=48
